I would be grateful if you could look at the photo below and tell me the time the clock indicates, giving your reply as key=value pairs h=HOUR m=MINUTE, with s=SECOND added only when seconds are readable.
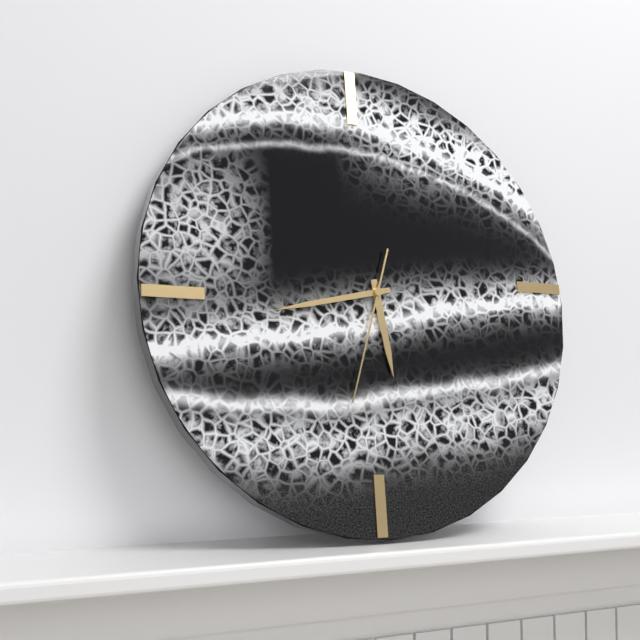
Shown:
h=5 m=43 s=33
